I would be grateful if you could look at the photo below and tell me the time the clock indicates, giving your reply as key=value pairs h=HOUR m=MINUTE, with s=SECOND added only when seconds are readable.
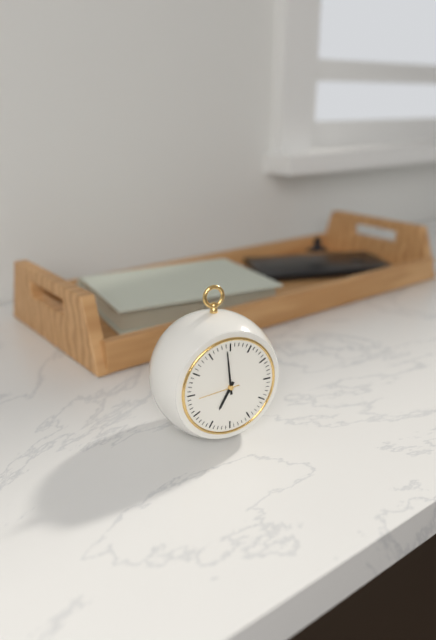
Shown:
h=6 m=59
